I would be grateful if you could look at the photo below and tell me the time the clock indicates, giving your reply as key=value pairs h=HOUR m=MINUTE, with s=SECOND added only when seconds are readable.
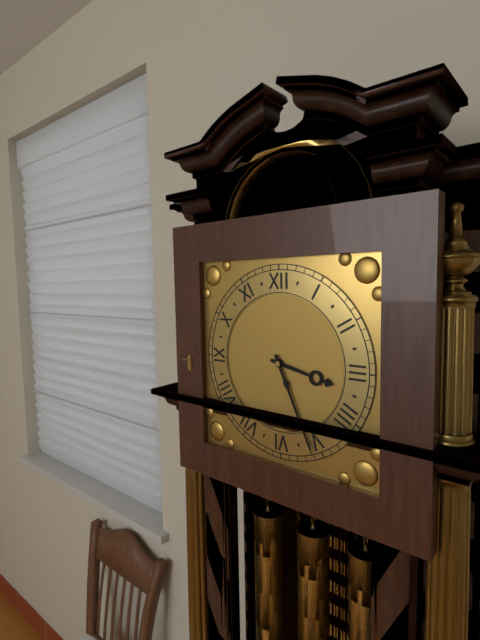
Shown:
h=3 m=26
